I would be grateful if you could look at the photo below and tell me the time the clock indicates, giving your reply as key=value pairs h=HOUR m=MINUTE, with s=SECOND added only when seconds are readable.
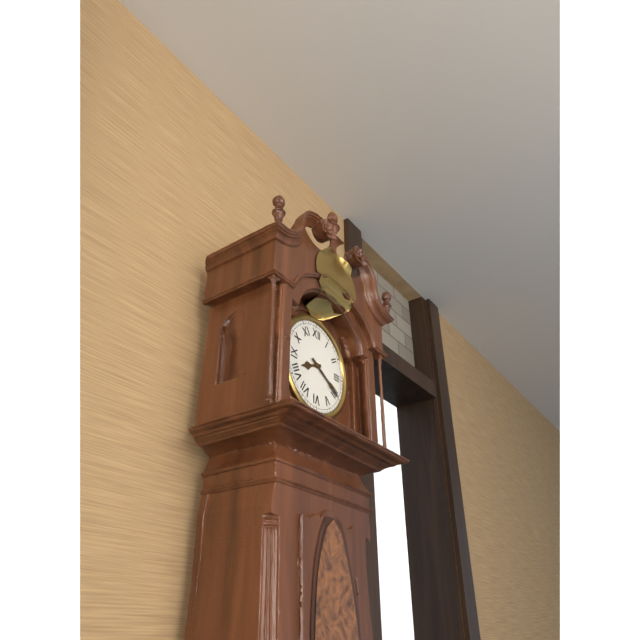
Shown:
h=8 m=20
